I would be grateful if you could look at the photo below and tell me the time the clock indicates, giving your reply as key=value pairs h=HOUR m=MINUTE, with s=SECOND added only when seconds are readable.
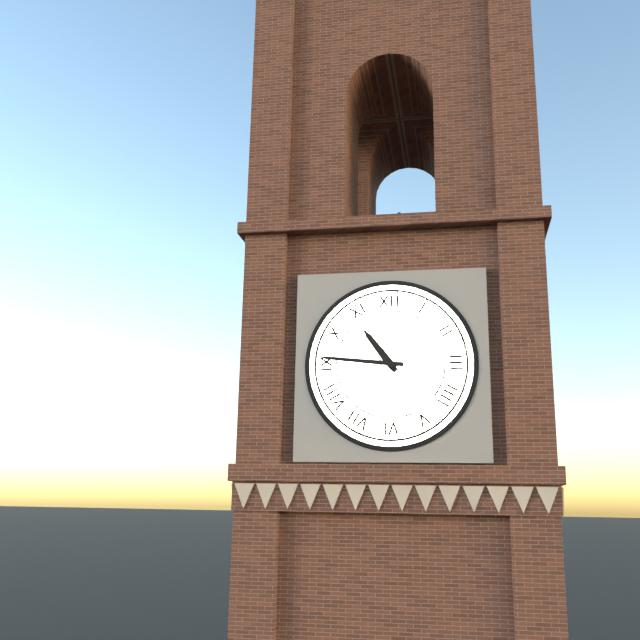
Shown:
h=10 m=46
